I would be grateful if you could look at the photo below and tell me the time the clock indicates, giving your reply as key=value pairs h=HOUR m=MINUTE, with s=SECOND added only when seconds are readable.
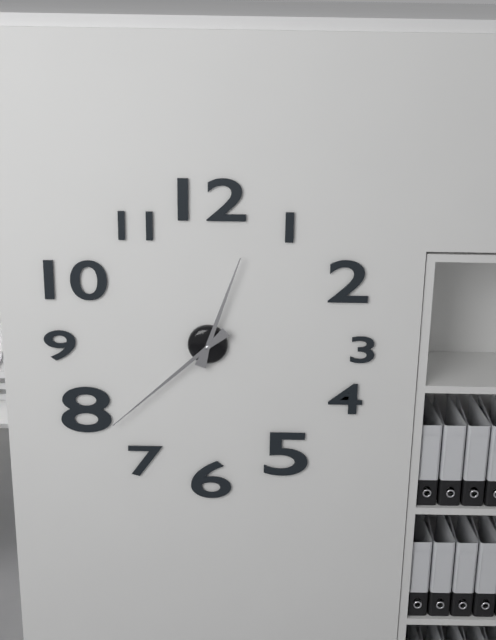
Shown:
h=12 m=38
